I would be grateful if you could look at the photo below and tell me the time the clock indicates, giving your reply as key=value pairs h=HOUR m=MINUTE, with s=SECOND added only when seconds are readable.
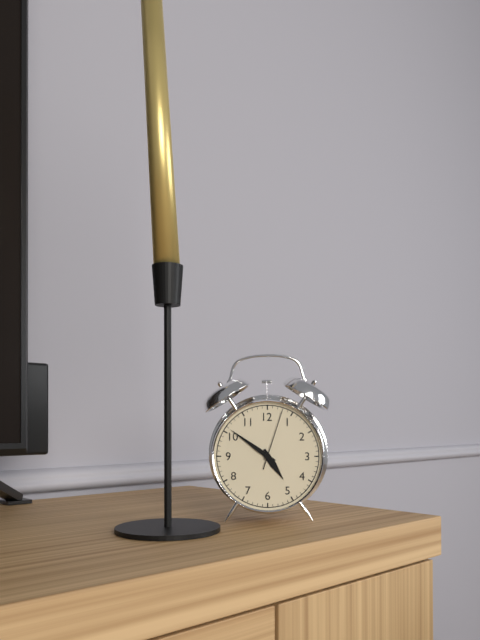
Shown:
h=4 m=51 s=3
